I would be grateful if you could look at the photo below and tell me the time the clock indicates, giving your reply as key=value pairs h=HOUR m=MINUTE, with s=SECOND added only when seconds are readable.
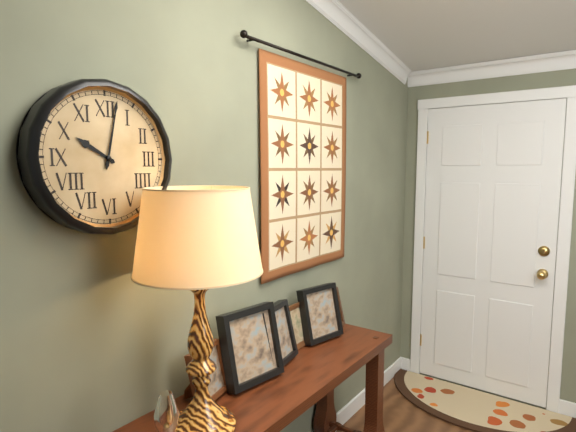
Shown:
h=10 m=2
